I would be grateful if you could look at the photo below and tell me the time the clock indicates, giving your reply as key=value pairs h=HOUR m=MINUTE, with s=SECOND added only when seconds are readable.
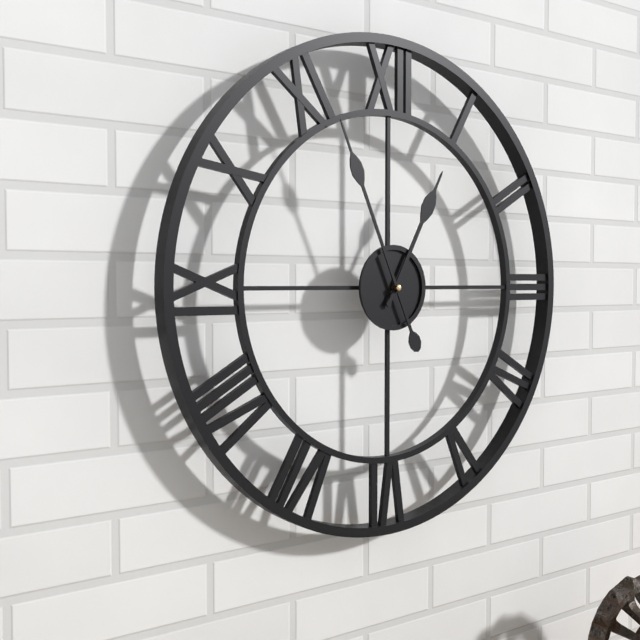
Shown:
h=12 m=56
